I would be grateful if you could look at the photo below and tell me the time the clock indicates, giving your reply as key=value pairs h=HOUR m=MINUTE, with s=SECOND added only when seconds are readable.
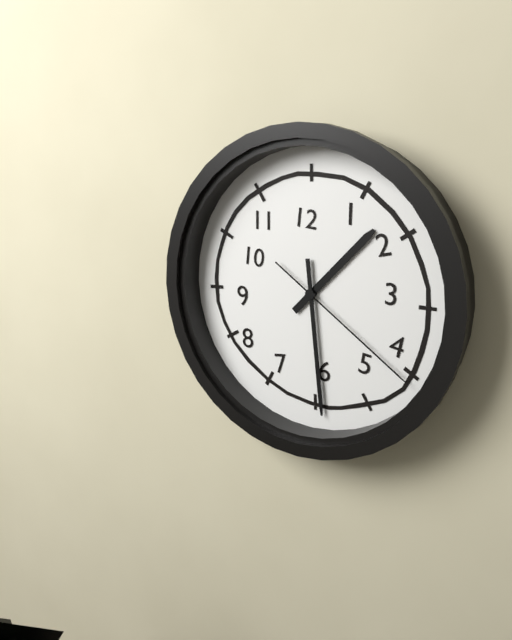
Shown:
h=1 m=29 s=21
